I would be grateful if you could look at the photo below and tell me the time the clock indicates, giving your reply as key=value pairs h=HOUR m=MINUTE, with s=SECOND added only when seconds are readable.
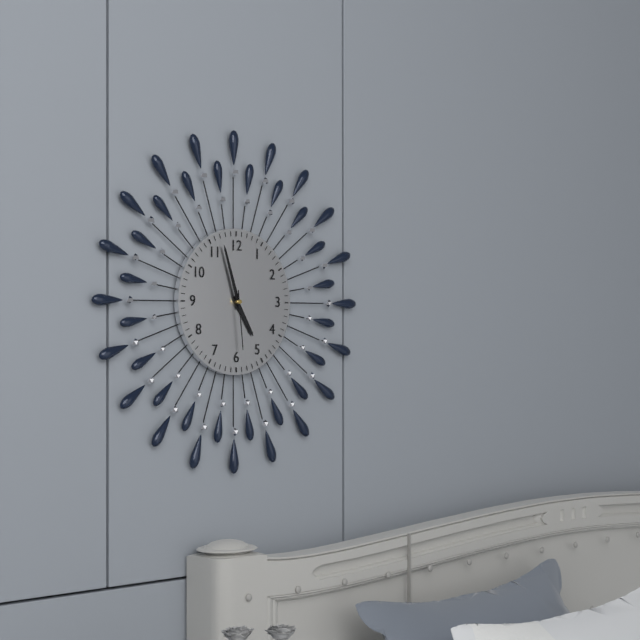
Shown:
h=4 m=57 s=29
